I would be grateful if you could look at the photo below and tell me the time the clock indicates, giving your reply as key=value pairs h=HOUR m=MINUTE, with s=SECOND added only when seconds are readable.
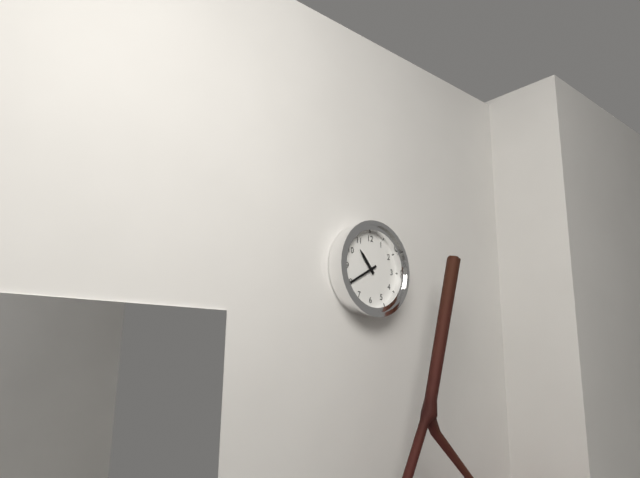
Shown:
h=10 m=40
